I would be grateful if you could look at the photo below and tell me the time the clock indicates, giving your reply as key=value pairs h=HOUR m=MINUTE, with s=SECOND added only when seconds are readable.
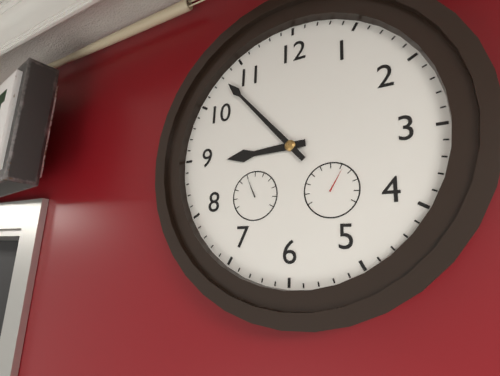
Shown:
h=8 m=53
